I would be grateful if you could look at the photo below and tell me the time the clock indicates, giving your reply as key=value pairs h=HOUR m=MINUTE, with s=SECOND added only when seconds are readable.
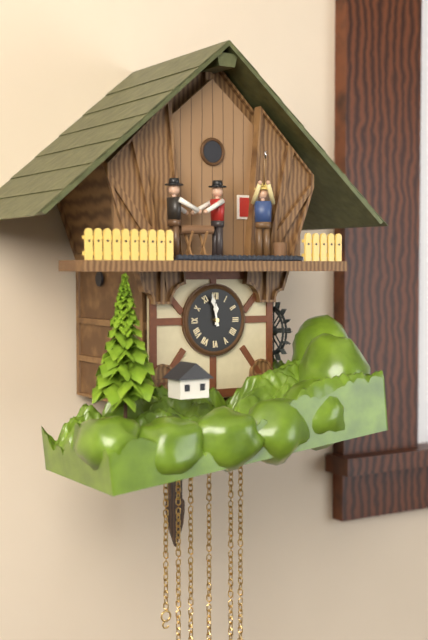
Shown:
h=11 m=58
